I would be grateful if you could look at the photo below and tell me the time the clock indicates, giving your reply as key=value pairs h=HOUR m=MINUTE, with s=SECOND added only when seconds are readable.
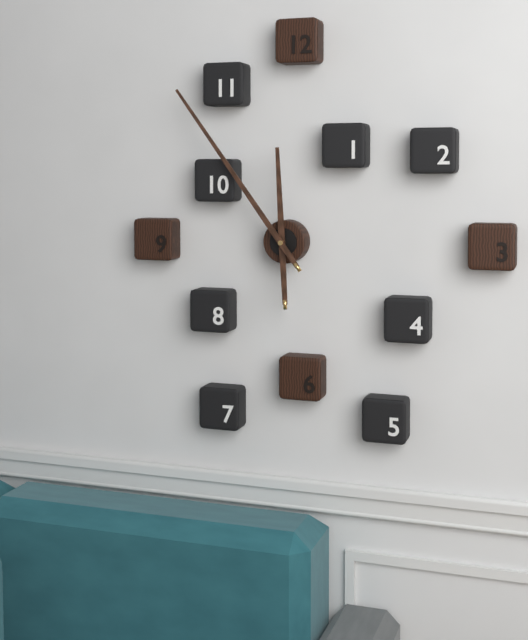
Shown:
h=11 m=54
